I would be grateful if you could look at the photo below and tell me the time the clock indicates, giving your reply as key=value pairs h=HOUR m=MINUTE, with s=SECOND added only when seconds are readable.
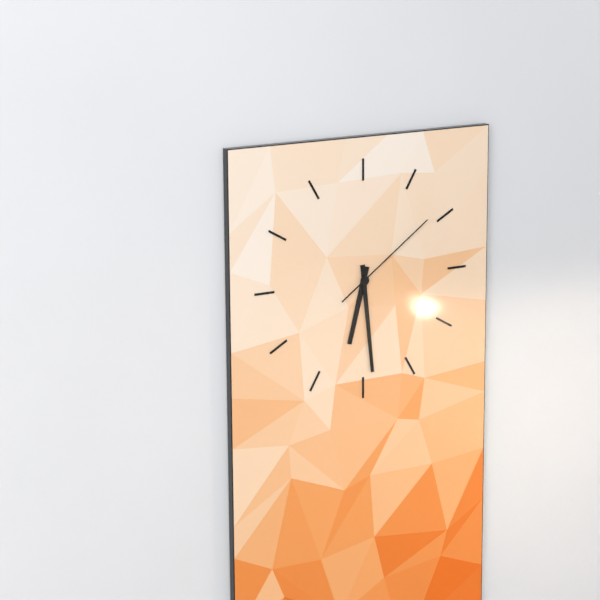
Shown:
h=6 m=29 s=9
